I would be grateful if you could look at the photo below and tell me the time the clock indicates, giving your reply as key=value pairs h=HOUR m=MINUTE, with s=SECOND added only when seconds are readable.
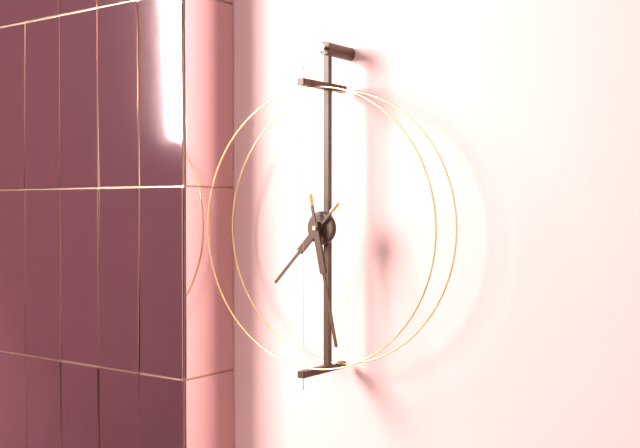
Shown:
h=7 m=28
